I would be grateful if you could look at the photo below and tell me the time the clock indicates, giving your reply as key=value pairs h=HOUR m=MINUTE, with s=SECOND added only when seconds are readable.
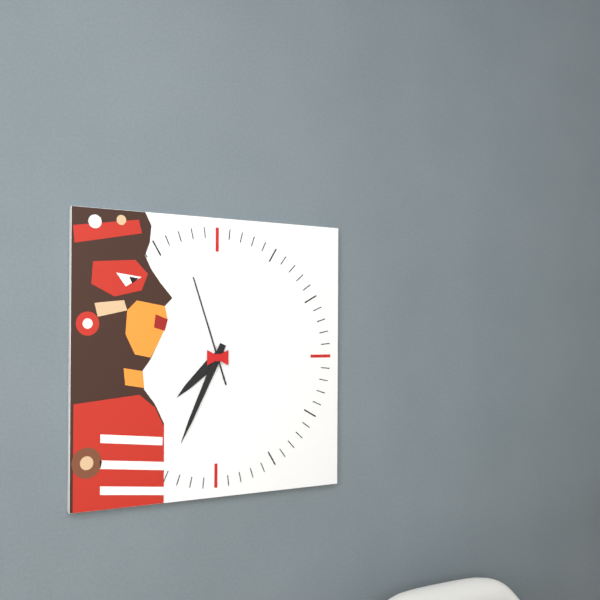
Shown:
h=7 m=34 s=57
